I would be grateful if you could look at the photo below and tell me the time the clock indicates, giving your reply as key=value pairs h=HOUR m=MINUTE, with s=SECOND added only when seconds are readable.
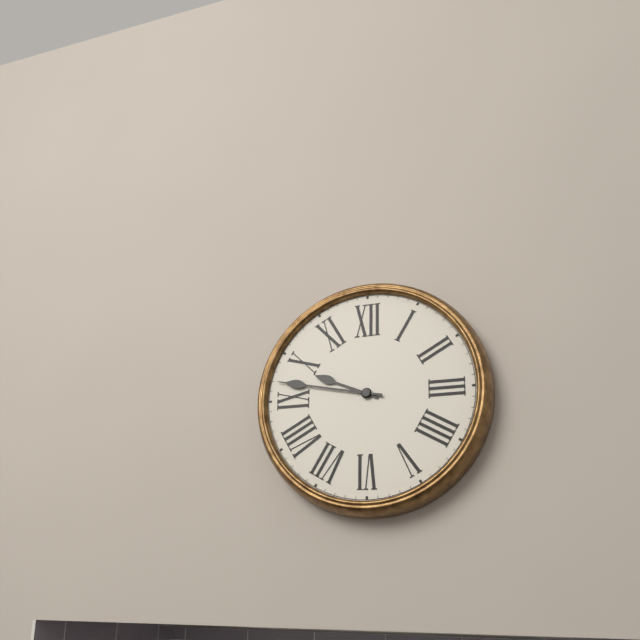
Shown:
h=9 m=47
